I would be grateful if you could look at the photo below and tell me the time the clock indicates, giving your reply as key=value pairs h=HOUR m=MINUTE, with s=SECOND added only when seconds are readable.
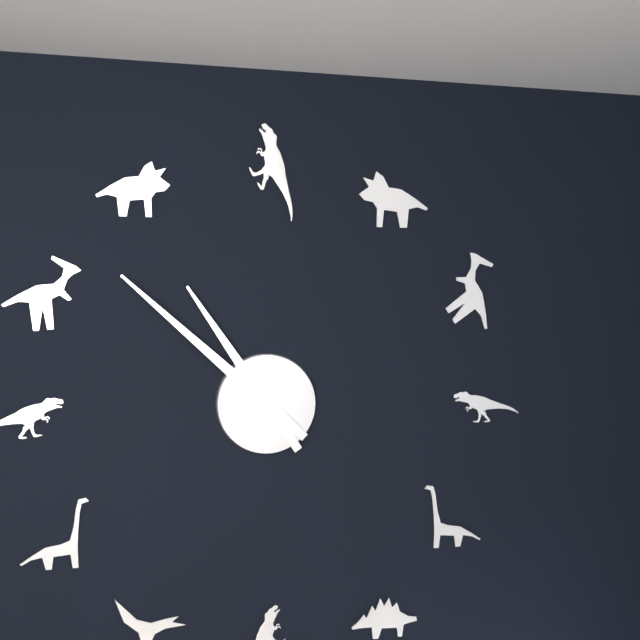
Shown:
h=10 m=52
